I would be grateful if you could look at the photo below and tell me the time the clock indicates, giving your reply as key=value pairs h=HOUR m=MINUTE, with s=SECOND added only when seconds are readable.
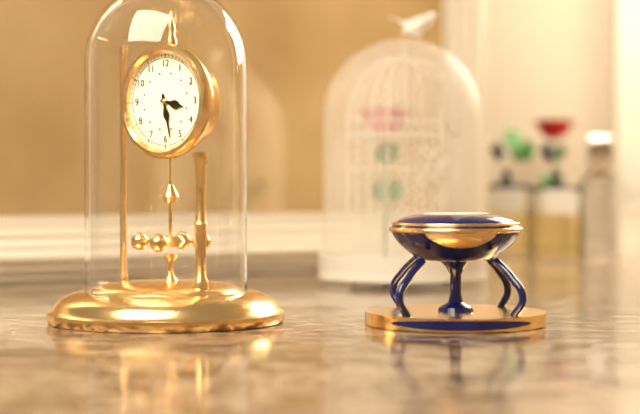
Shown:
h=3 m=28
